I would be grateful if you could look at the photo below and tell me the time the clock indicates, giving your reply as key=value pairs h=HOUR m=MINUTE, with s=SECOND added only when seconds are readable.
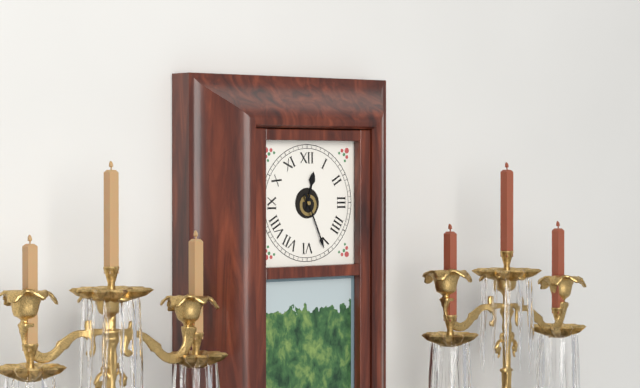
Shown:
h=12 m=26
